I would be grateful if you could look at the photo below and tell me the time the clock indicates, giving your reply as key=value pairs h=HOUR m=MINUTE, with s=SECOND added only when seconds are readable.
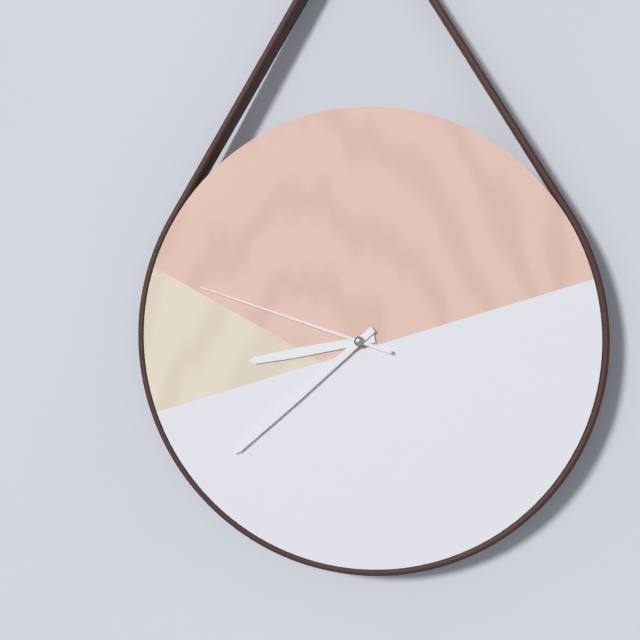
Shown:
h=8 m=38 s=48
